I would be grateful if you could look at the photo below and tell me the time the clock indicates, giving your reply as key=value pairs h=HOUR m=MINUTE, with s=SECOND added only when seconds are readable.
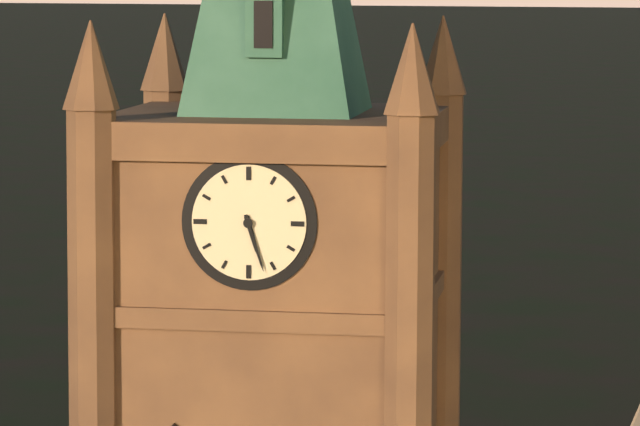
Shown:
h=5 m=27
